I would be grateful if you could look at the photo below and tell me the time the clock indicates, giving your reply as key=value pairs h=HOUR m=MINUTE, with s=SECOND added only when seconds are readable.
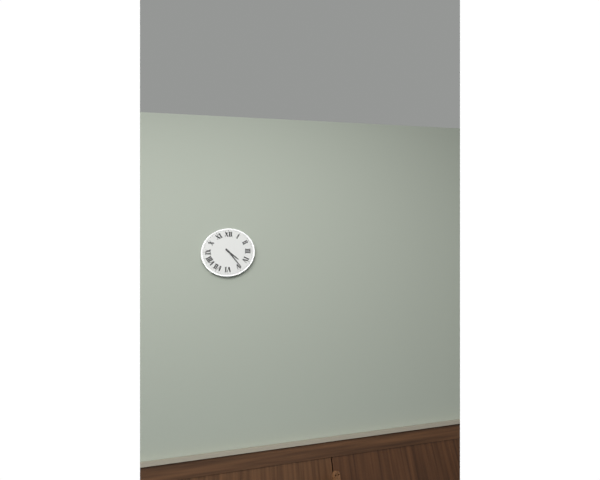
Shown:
h=4 m=24
